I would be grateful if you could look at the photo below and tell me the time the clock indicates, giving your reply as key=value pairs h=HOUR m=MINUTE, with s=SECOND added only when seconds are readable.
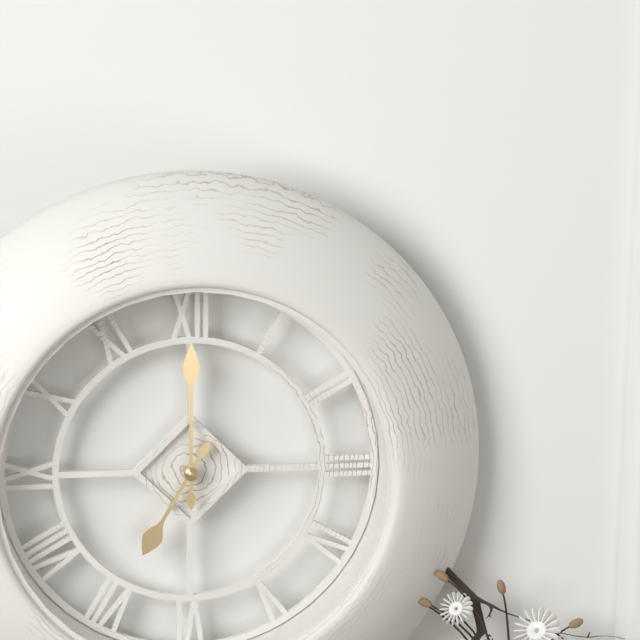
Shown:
h=7 m=0
